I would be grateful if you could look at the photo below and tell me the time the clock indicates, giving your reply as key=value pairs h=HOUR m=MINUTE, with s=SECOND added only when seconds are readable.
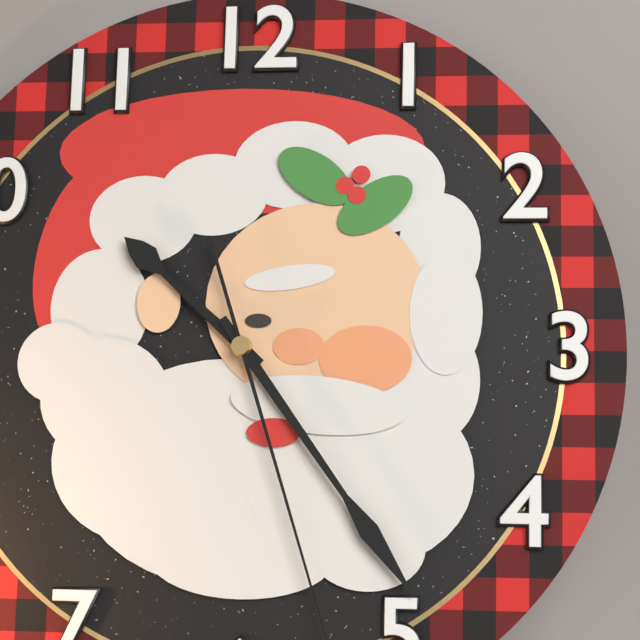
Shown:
h=10 m=24
